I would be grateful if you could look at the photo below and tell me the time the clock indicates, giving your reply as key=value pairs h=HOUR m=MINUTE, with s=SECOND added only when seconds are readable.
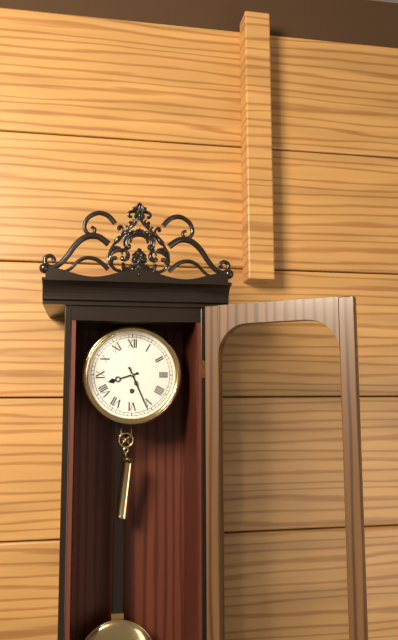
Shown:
h=8 m=26
